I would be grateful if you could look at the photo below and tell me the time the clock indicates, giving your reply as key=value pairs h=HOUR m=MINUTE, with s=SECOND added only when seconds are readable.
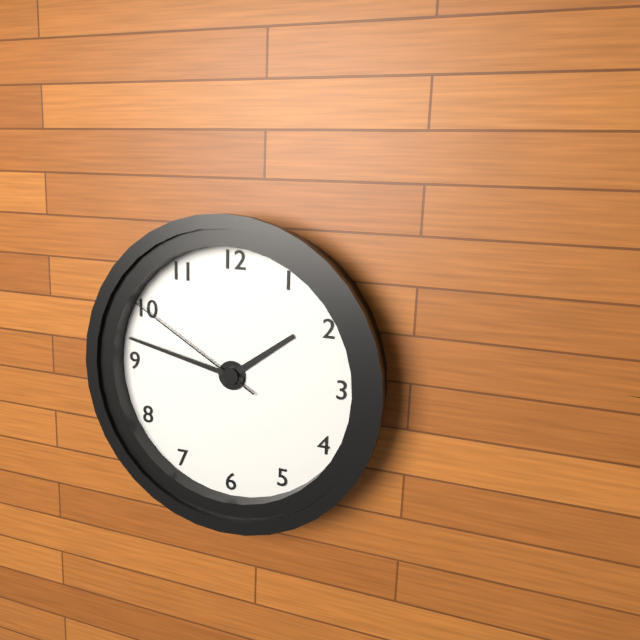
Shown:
h=1 m=47 s=50
